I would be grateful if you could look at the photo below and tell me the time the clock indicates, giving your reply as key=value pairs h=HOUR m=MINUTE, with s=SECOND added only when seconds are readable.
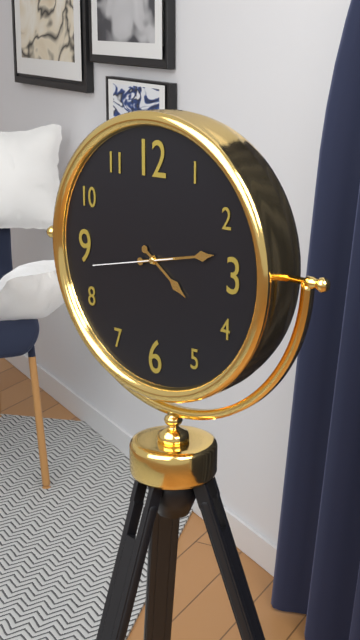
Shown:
h=4 m=13 s=43
